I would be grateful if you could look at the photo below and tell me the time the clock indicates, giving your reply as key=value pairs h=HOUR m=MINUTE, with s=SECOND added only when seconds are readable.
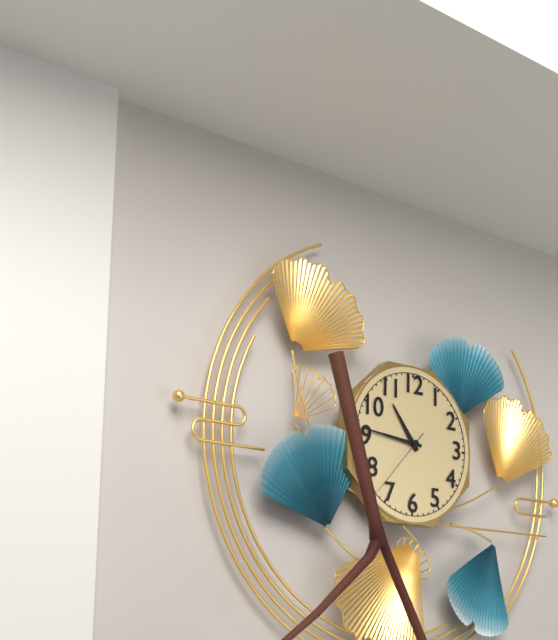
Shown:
h=10 m=46 s=37
